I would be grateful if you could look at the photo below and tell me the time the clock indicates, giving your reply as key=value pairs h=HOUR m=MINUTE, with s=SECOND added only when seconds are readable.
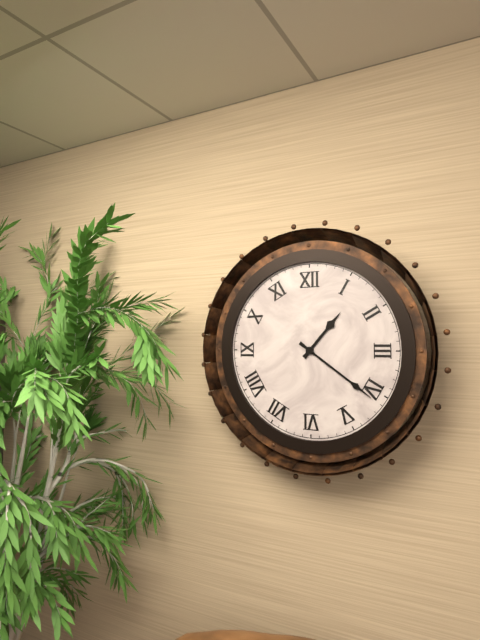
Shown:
h=1 m=21
